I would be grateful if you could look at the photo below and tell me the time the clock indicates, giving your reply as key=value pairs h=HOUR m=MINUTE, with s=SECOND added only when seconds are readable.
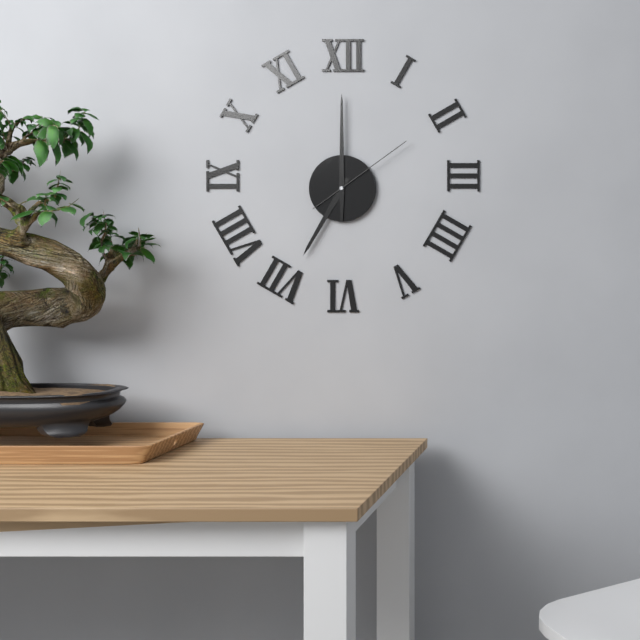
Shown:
h=7 m=0 s=9
